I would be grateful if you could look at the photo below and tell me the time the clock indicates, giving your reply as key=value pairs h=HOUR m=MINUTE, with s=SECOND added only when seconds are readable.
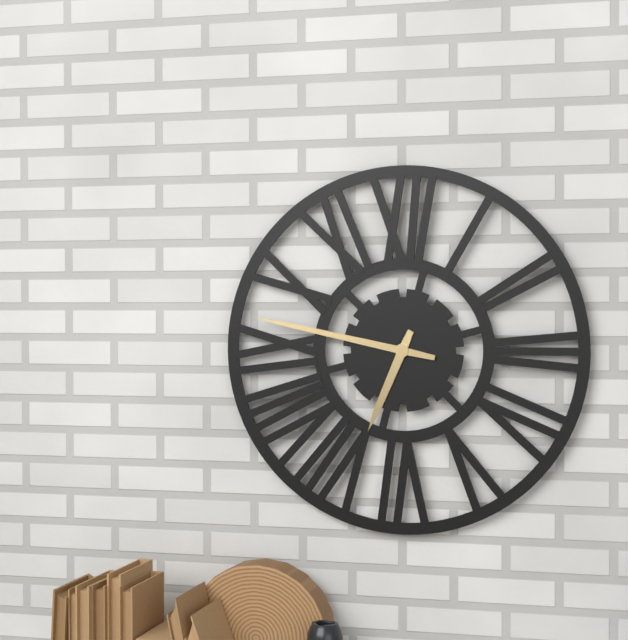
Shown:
h=6 m=47
